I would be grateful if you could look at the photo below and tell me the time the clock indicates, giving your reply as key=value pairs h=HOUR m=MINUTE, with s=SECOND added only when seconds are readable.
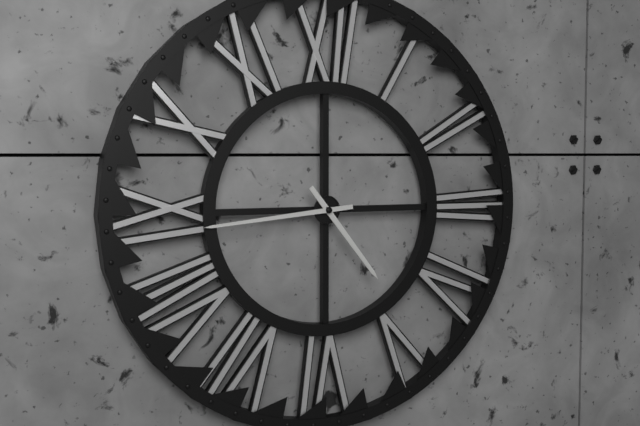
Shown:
h=4 m=44
